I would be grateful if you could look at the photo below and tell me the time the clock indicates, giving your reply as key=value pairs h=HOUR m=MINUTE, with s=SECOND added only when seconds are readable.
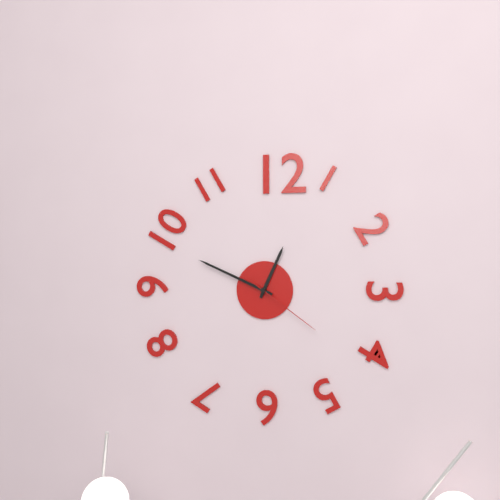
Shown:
h=12 m=49 s=21
